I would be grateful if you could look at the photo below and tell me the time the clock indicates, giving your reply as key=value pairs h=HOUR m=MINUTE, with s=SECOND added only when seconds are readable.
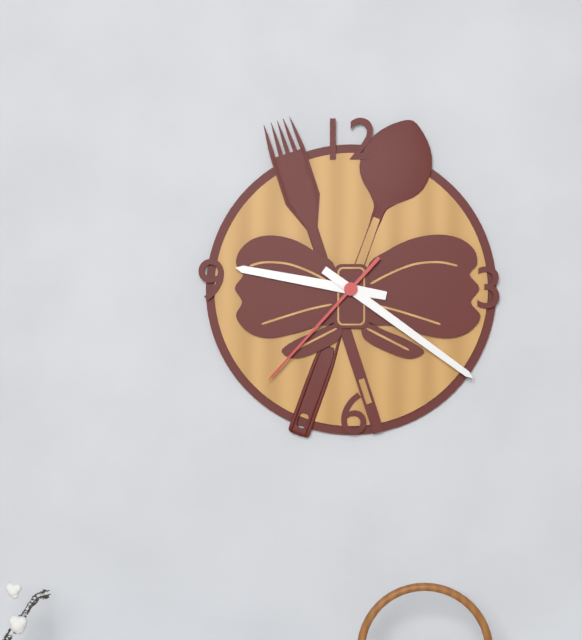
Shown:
h=9 m=21 s=37
